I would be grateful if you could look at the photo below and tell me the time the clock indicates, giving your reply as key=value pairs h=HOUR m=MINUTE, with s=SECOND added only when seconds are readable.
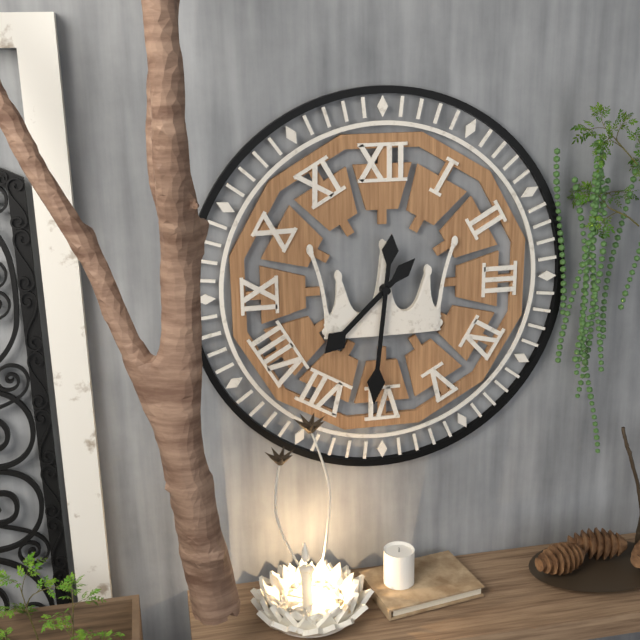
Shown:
h=7 m=31
